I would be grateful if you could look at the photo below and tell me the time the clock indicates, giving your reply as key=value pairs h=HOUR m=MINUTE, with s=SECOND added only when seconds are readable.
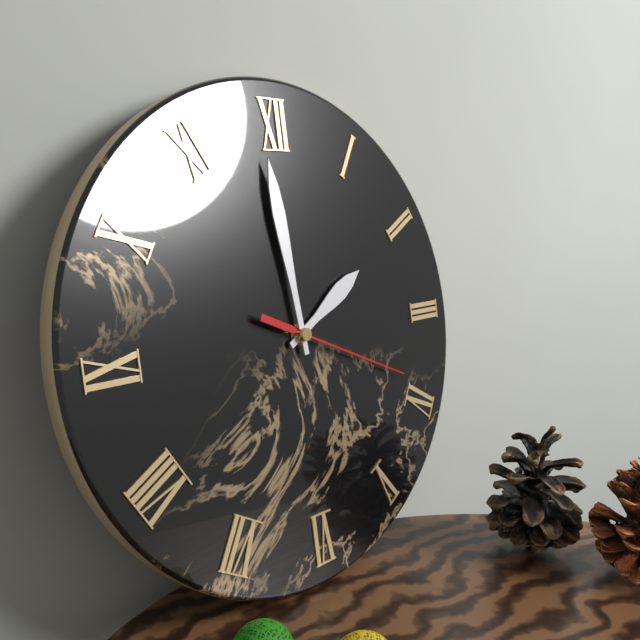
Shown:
h=1 m=59 s=19
